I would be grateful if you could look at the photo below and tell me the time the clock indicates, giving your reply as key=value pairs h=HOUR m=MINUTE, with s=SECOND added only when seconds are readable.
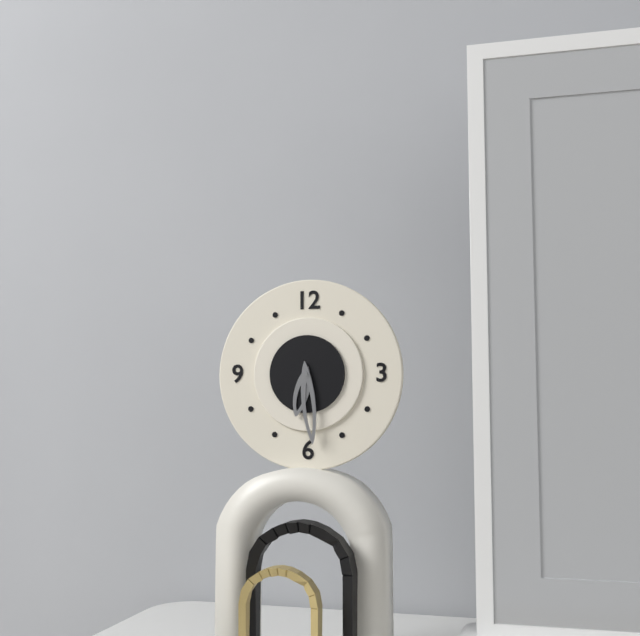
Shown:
h=6 m=29
